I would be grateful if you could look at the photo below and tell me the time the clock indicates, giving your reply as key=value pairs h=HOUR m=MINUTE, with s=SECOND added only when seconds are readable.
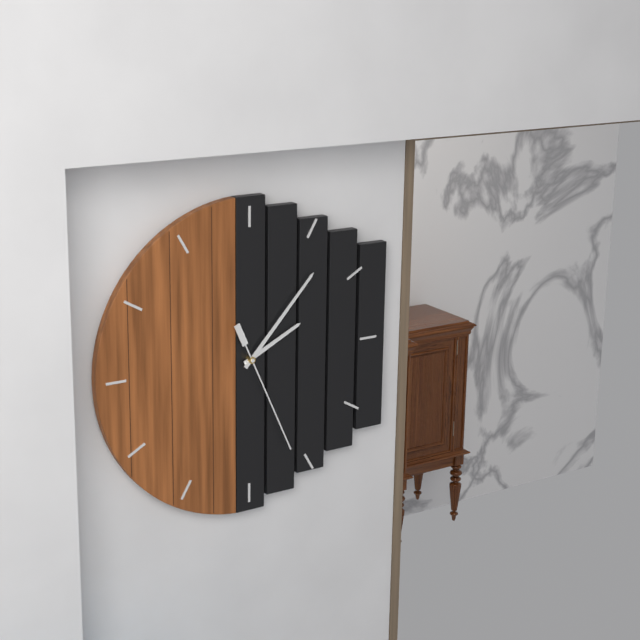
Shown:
h=2 m=7 s=26
